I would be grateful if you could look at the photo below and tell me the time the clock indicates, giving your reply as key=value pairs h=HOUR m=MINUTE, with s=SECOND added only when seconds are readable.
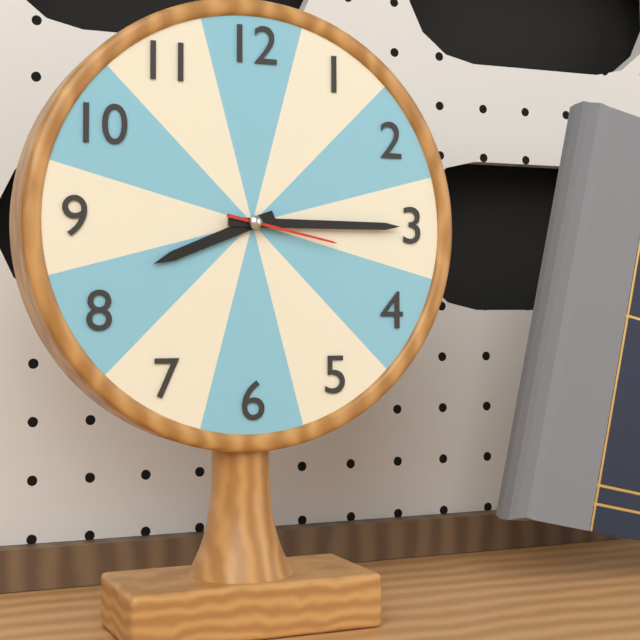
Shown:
h=8 m=15 s=17
